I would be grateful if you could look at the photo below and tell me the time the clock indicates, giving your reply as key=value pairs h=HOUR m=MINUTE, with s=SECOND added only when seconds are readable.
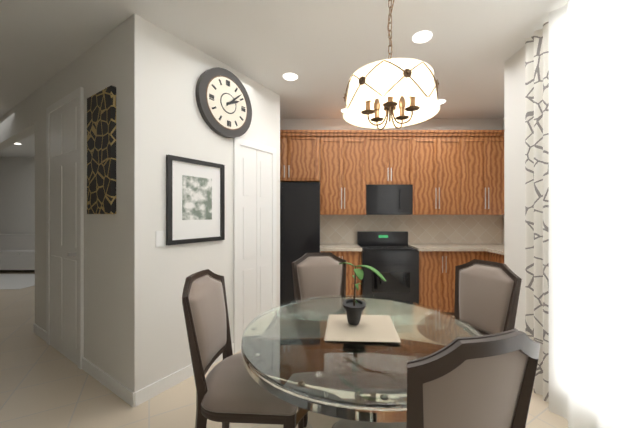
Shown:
h=2 m=8
